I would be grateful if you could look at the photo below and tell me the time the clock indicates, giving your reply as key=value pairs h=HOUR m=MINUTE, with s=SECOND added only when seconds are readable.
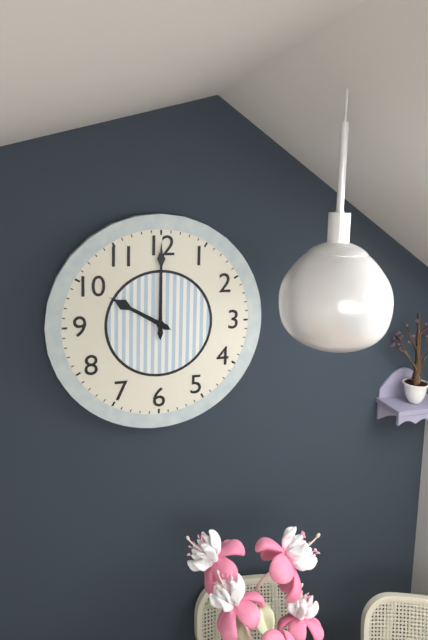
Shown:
h=10 m=0
